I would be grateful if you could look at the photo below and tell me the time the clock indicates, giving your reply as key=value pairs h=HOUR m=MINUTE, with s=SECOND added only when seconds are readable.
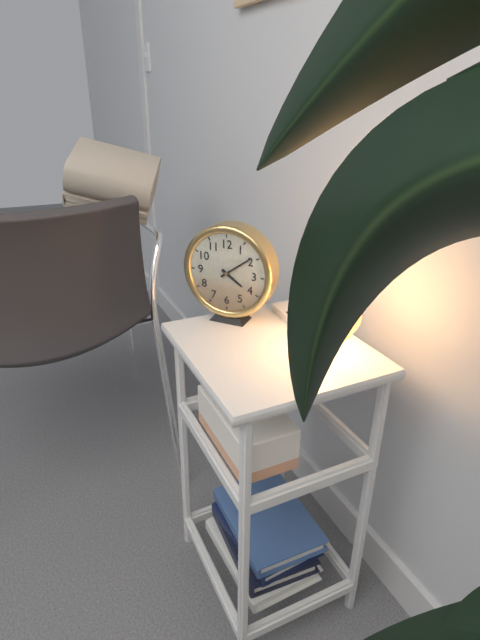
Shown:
h=4 m=9
